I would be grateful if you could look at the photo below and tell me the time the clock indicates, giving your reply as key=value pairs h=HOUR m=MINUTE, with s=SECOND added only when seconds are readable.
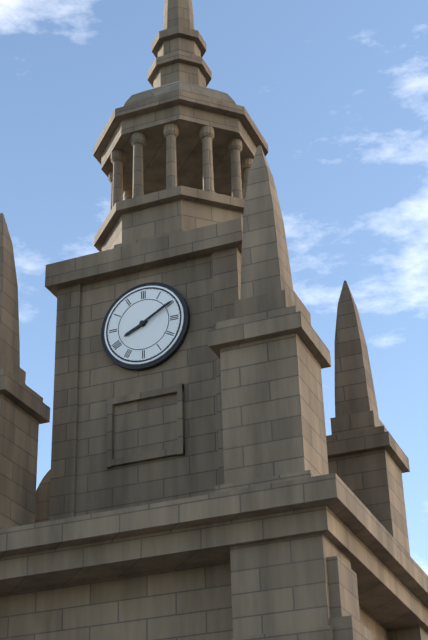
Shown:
h=8 m=10
